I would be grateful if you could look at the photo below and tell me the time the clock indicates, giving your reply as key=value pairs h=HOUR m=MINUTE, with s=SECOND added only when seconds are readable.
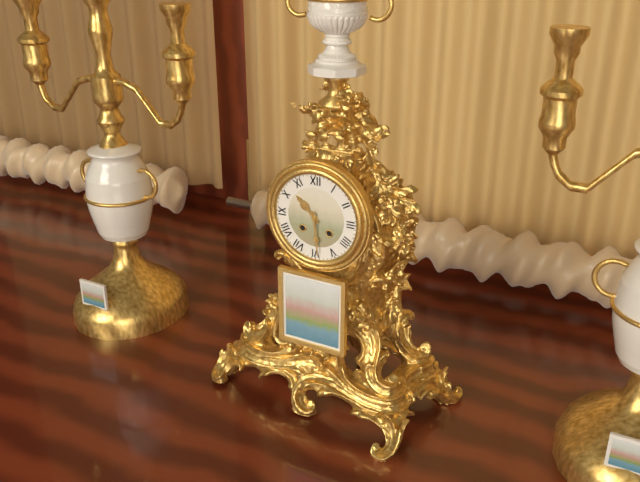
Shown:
h=10 m=29
